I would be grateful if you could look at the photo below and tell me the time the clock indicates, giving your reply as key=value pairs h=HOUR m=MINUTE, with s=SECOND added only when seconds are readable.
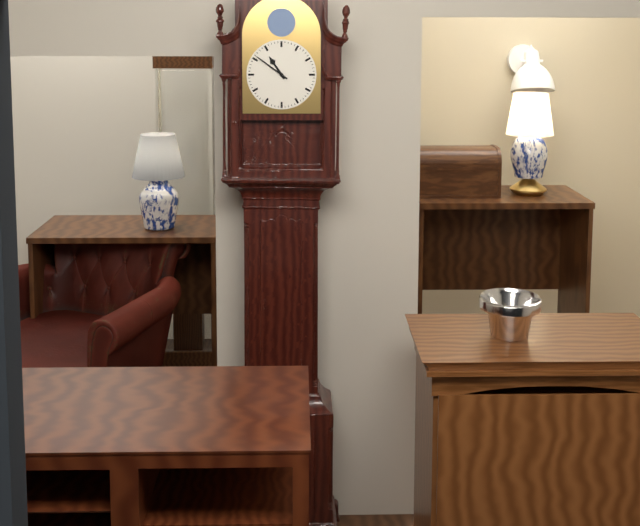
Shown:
h=10 m=51
